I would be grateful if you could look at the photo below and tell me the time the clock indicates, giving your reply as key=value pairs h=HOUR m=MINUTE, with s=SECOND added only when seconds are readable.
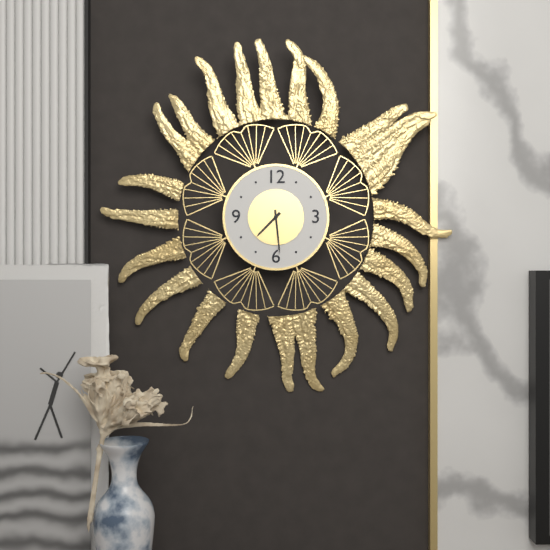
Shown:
h=7 m=29
